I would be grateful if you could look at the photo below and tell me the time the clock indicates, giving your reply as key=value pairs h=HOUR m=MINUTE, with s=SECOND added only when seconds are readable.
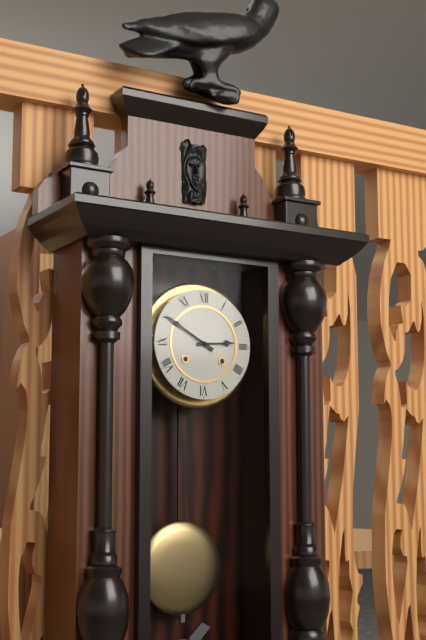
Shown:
h=2 m=50
